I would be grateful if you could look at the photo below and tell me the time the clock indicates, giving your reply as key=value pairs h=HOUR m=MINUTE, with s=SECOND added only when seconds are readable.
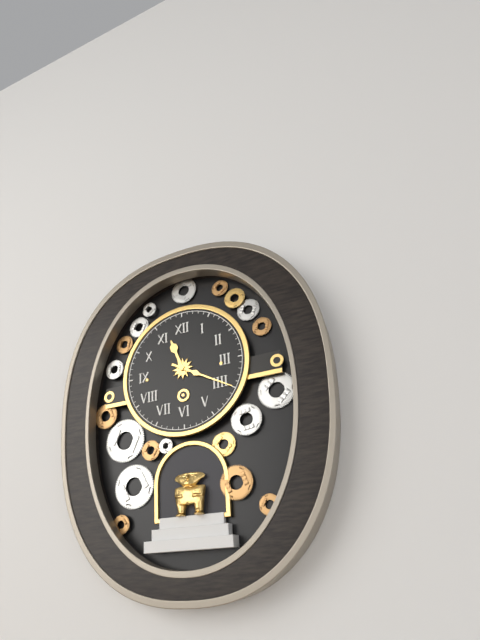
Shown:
h=11 m=20
